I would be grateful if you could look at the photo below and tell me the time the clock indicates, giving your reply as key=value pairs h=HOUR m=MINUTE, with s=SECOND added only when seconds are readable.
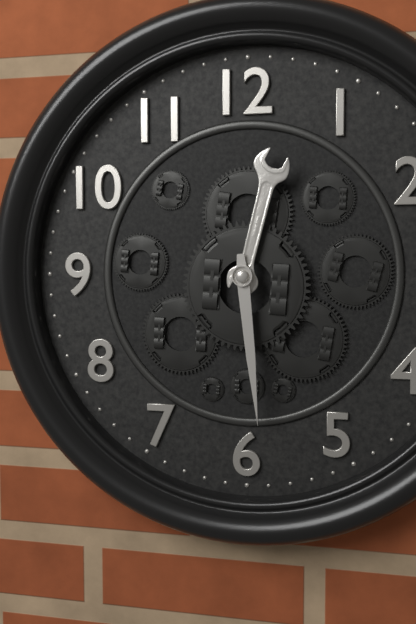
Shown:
h=12 m=29
